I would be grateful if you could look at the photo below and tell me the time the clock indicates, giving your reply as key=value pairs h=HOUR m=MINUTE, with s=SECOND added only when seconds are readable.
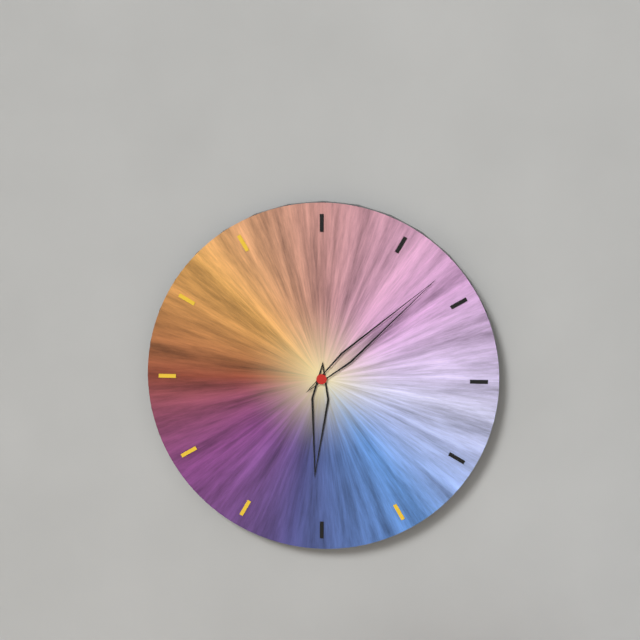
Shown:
h=6 m=8
